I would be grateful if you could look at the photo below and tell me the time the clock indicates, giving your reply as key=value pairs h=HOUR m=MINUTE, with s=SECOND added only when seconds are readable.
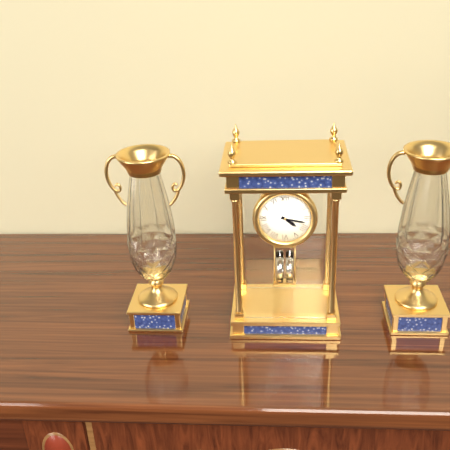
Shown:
h=4 m=17
